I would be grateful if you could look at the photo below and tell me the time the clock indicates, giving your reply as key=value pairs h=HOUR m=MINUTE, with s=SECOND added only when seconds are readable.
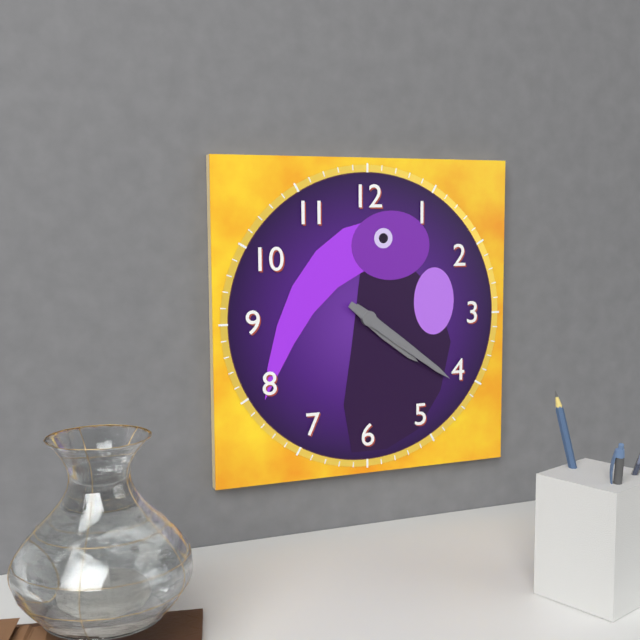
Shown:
h=4 m=21
